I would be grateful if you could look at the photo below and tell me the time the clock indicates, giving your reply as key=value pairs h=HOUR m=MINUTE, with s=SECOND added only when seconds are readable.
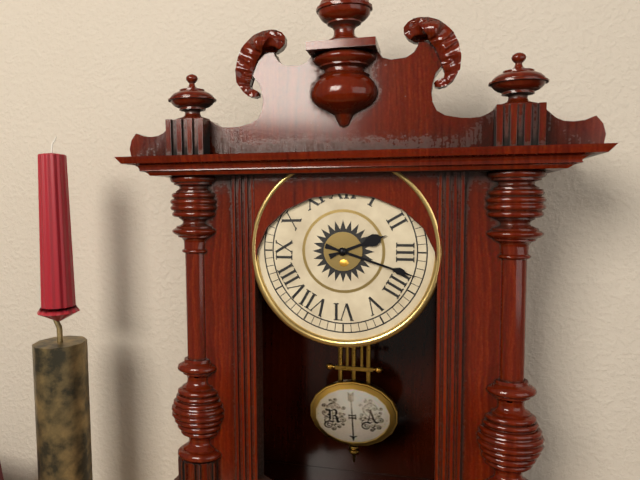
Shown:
h=2 m=18
